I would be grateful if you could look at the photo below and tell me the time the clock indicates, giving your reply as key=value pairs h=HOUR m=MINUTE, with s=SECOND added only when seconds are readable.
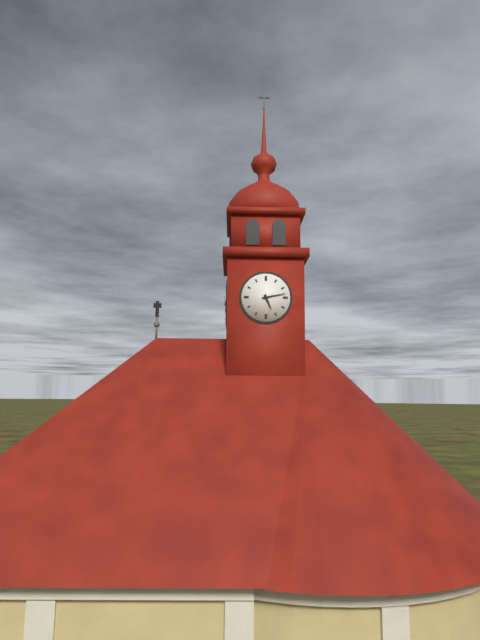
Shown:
h=5 m=13
